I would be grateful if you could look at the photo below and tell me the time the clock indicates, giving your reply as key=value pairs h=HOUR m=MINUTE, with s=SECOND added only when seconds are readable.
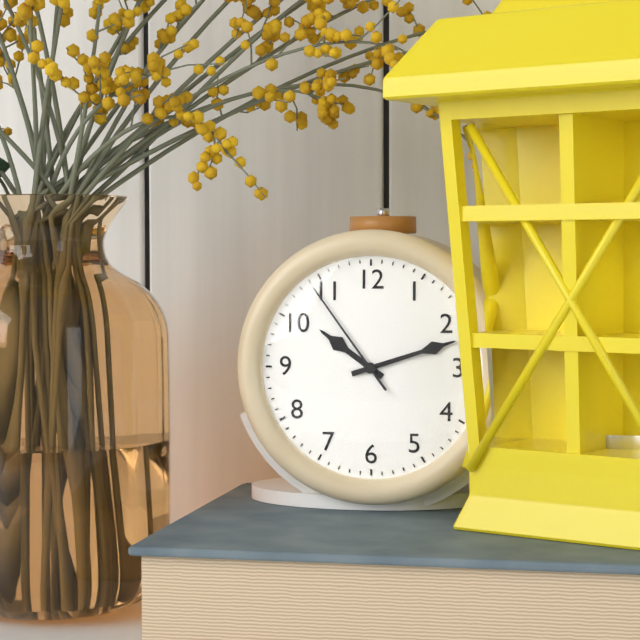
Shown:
h=10 m=12 s=54
